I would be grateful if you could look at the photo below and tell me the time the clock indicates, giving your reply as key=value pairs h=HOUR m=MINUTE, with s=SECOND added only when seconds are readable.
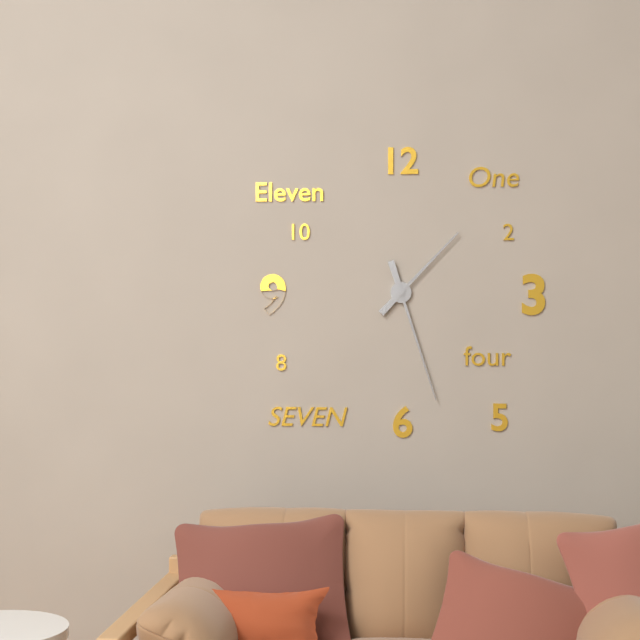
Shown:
h=1 m=27
